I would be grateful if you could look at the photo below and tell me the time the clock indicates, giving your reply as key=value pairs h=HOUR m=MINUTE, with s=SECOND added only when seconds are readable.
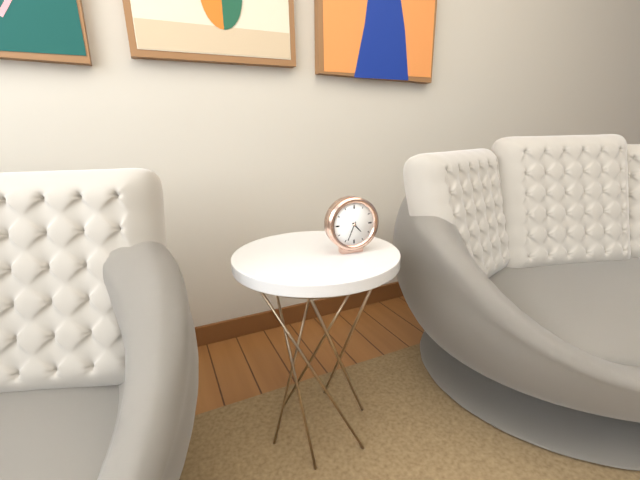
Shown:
h=4 m=34
